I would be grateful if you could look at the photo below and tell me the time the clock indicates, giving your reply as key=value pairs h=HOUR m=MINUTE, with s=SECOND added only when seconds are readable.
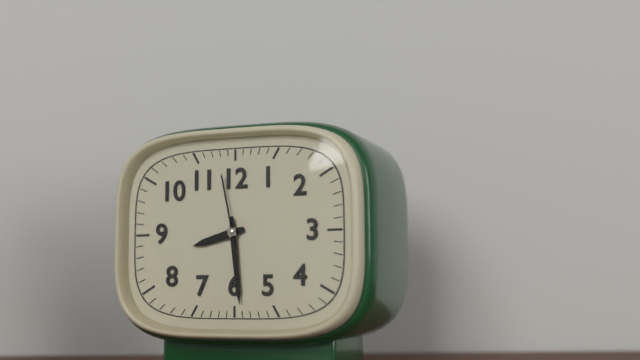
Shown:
h=8 m=29 s=58
